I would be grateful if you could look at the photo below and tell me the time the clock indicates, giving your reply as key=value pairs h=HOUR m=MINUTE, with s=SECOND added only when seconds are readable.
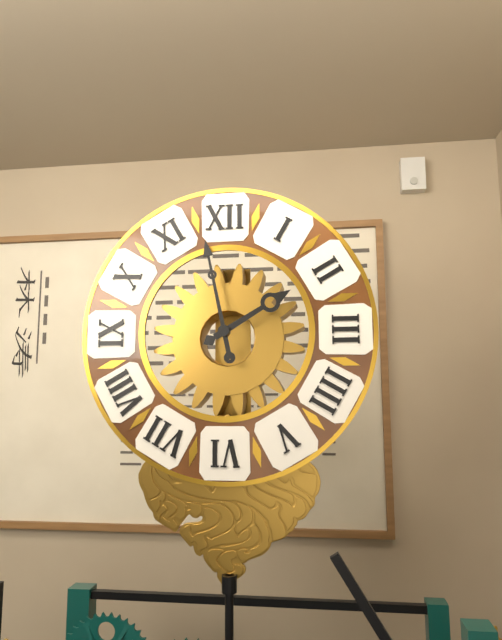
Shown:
h=1 m=58
